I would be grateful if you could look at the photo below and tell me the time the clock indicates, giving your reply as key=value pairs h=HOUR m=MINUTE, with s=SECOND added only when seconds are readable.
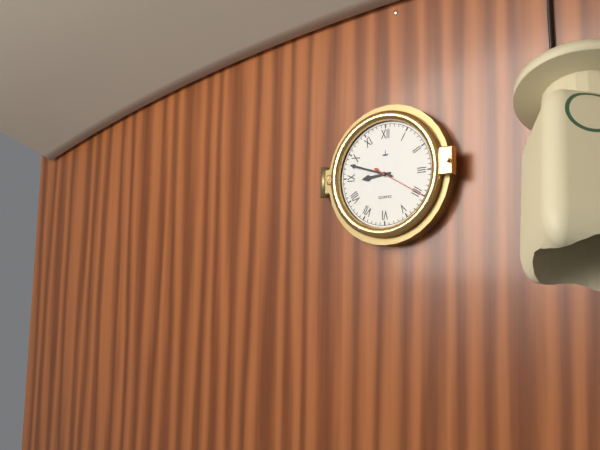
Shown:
h=8 m=48 s=20
